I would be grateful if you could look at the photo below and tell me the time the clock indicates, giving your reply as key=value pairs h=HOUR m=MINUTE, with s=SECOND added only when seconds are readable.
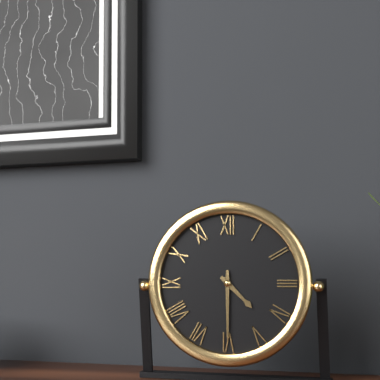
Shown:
h=4 m=30
